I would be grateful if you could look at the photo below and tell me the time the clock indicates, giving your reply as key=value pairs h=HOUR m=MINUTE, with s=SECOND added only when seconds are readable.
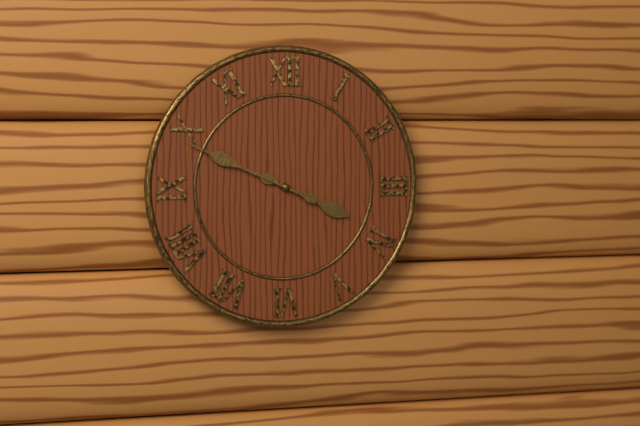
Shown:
h=3 m=49
